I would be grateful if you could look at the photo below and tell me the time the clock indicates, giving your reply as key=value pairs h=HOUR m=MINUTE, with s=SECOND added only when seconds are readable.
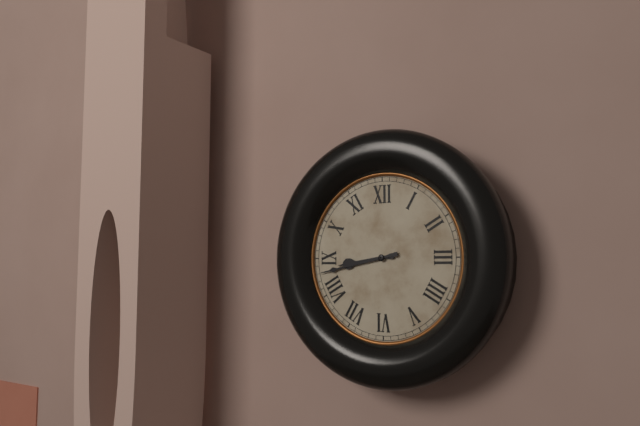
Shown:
h=8 m=43
